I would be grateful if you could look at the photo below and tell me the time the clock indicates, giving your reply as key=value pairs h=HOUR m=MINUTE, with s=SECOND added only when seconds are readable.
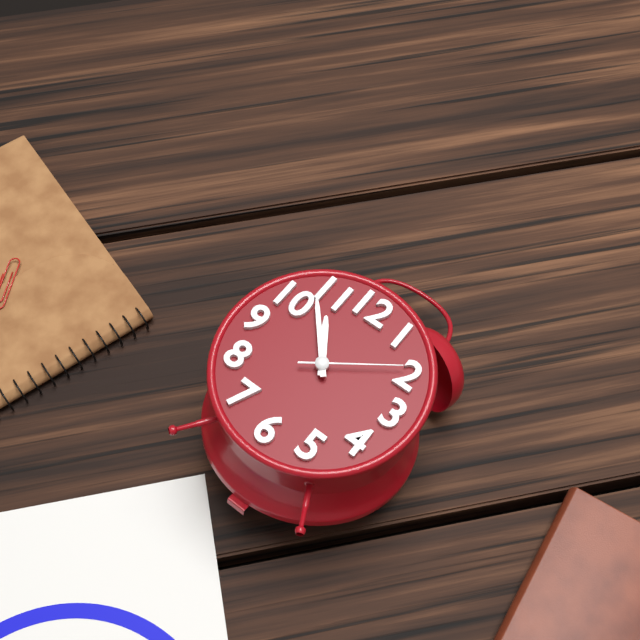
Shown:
h=10 m=53 s=9
